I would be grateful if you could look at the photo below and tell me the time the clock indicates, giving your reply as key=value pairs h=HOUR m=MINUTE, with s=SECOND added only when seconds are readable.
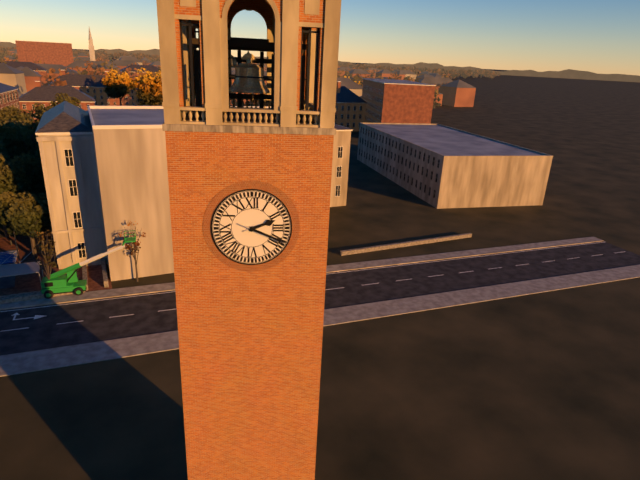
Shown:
h=2 m=19
